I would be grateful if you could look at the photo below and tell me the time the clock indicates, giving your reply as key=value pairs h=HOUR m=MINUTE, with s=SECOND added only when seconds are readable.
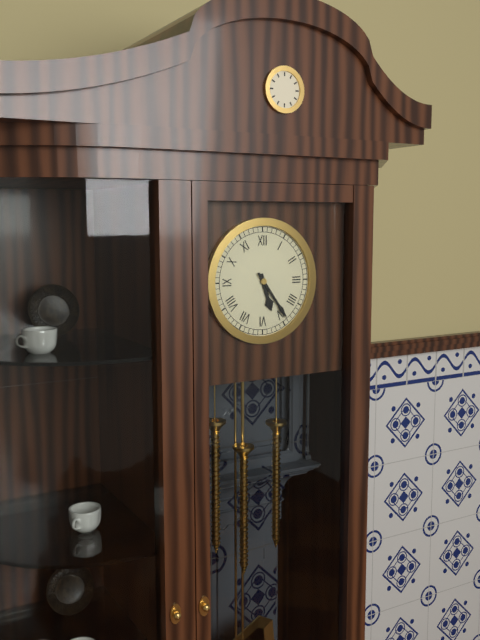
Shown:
h=5 m=24
